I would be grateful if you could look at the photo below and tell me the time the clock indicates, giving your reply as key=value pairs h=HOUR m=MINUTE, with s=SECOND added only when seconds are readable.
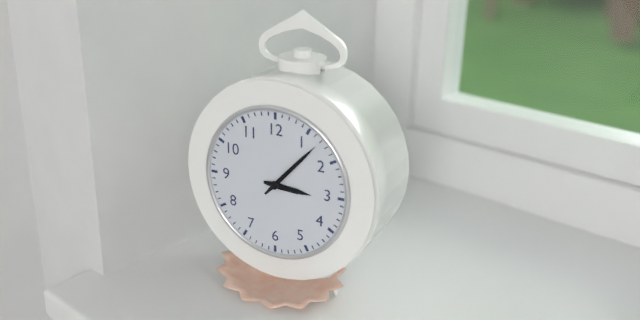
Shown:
h=3 m=7
